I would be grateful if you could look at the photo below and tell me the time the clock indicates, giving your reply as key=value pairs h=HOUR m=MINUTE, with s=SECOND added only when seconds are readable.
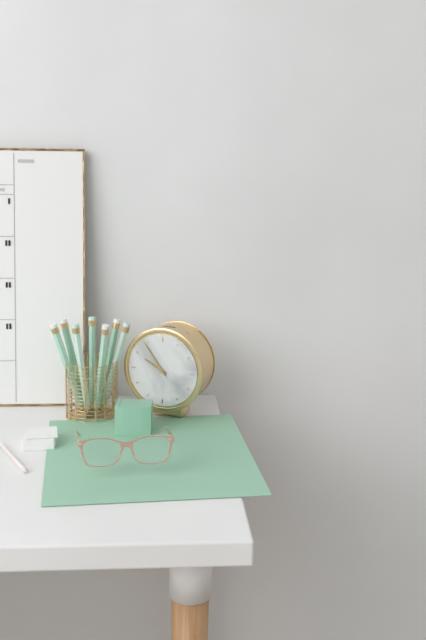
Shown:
h=9 m=54
